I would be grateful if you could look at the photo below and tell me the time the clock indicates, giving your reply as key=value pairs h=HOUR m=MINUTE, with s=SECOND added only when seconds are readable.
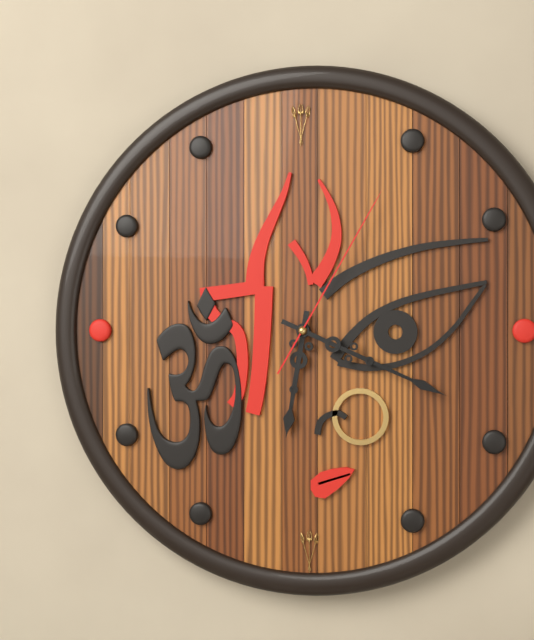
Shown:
h=6 m=19 s=5
